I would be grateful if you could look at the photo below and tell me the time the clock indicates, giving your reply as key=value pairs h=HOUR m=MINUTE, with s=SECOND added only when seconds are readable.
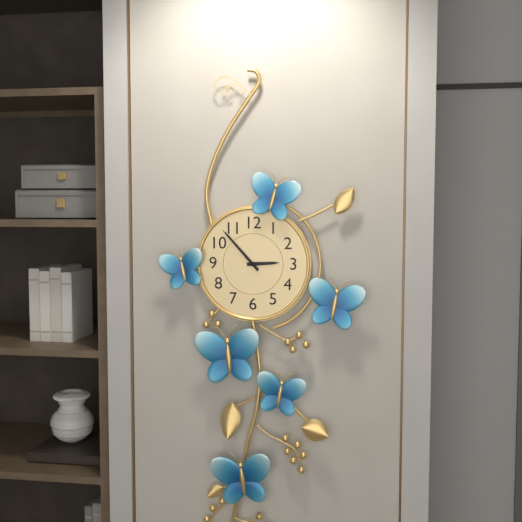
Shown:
h=2 m=53
